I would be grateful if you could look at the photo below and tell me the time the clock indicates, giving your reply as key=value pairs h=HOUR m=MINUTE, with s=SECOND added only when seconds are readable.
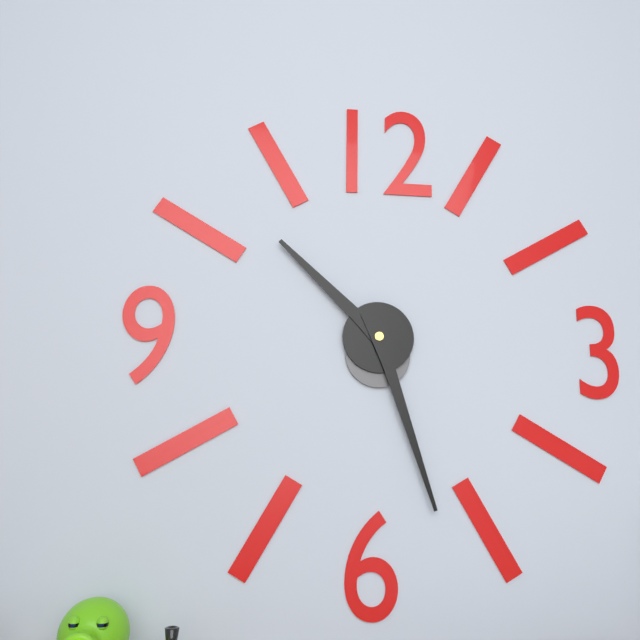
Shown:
h=10 m=27
